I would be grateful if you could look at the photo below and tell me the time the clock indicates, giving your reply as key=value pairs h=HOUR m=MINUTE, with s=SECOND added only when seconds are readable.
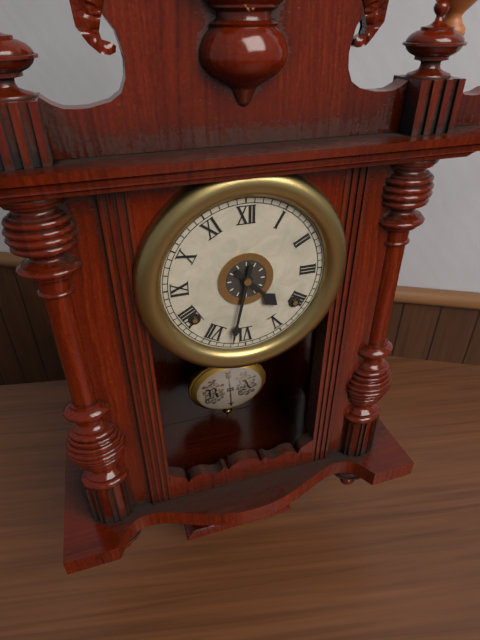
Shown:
h=4 m=32
